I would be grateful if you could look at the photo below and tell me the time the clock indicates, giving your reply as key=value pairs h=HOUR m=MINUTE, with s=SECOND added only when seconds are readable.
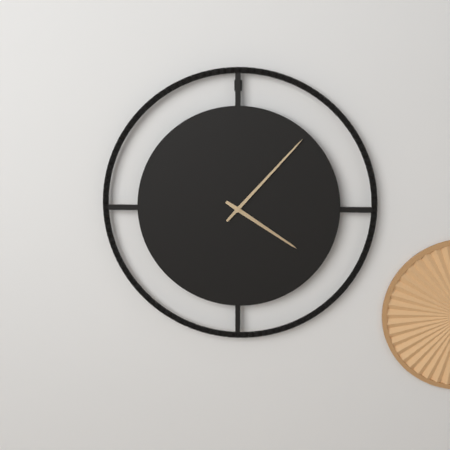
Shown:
h=4 m=7
